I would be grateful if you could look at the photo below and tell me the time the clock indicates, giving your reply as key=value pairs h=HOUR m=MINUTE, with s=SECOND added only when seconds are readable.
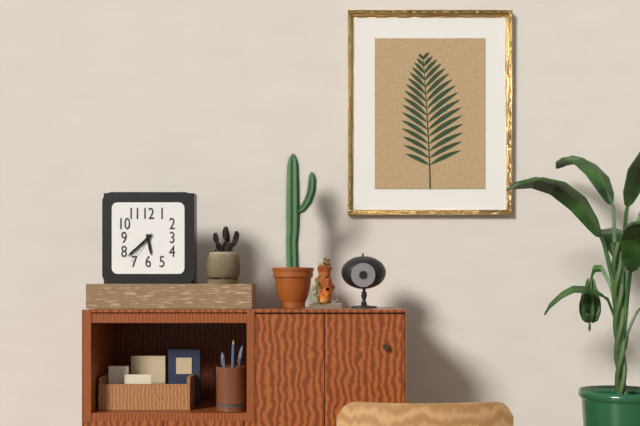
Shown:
h=5 m=38
